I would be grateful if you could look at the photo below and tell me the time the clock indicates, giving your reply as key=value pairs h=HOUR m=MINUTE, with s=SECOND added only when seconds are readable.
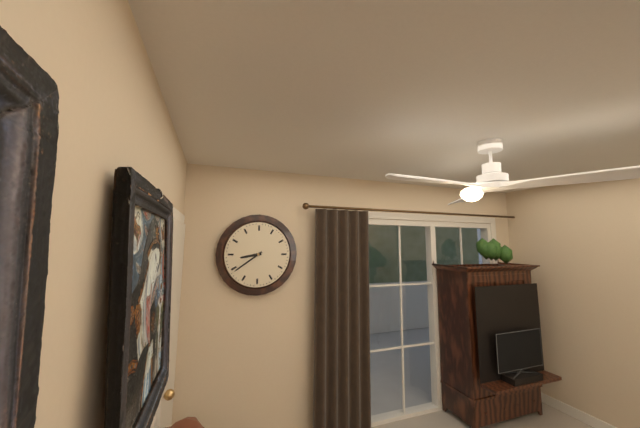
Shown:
h=8 m=39
